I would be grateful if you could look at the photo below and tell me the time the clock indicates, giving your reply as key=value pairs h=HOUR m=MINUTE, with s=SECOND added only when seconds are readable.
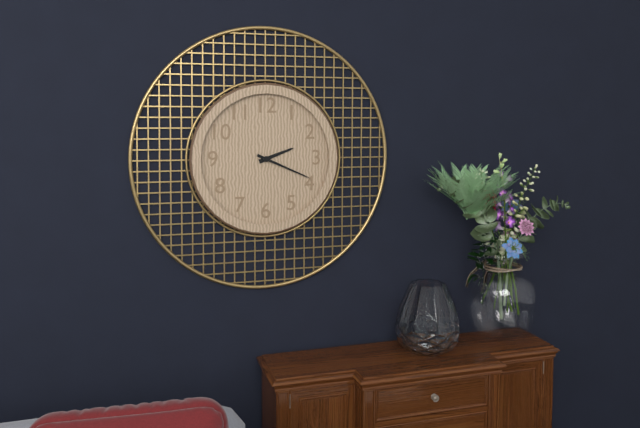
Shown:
h=2 m=19
